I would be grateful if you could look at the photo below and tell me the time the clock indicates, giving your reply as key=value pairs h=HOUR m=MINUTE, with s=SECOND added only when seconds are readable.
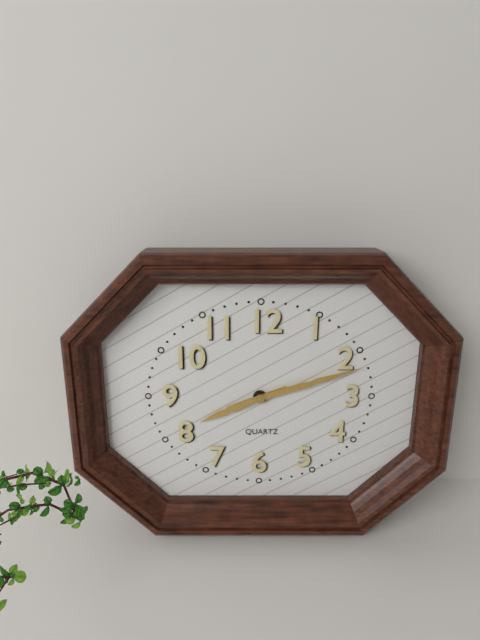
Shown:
h=8 m=12
